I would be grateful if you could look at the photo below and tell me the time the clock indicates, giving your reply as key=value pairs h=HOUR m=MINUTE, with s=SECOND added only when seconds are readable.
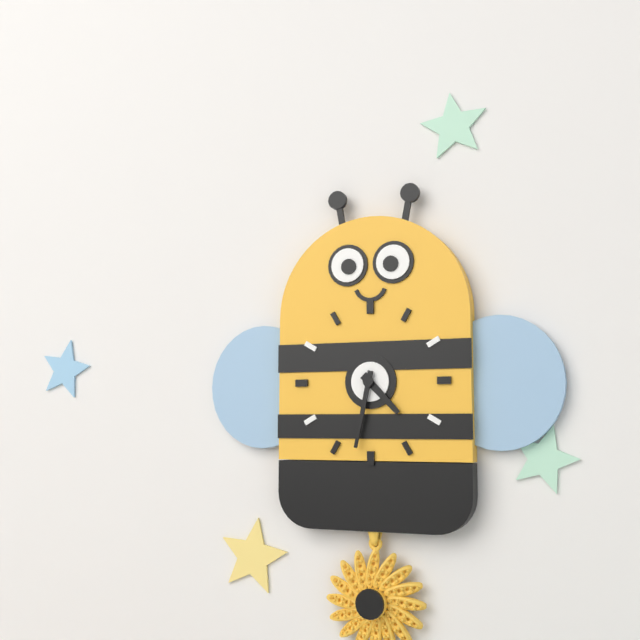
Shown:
h=4 m=32
